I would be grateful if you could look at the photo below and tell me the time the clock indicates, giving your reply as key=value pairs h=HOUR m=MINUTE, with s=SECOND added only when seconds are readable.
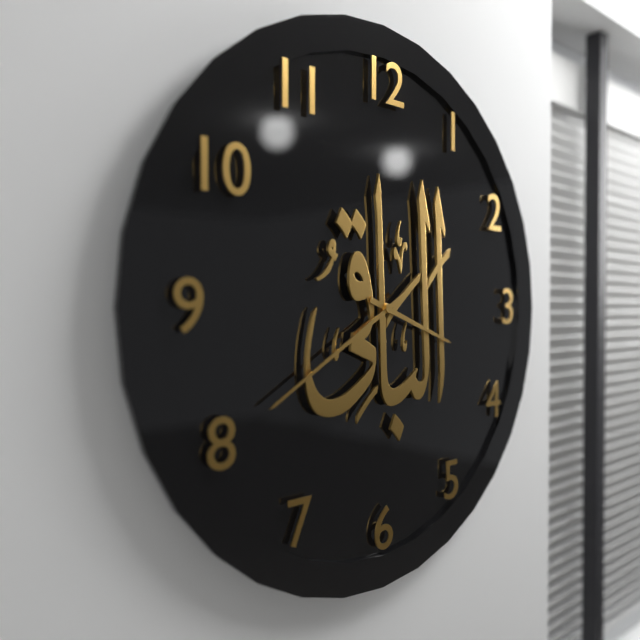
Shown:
h=3 m=40
